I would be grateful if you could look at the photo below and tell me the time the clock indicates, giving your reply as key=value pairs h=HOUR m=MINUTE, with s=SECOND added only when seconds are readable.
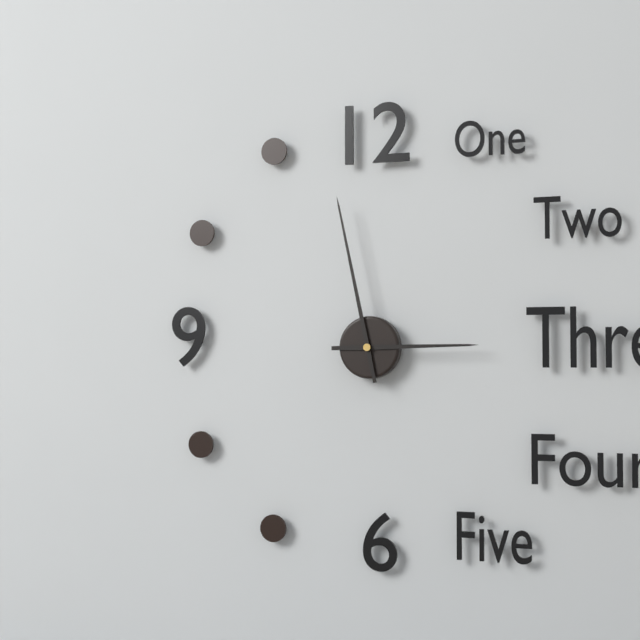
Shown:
h=2 m=58
